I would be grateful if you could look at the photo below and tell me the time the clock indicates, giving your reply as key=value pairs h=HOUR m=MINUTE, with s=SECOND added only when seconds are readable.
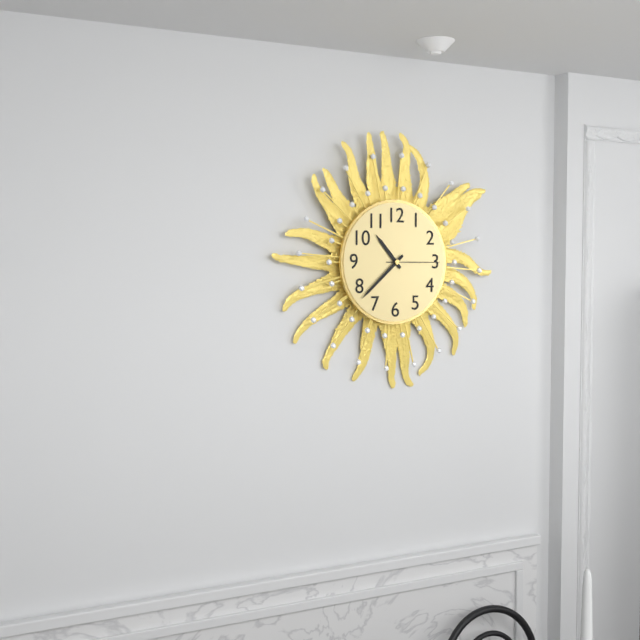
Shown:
h=10 m=38 s=15
